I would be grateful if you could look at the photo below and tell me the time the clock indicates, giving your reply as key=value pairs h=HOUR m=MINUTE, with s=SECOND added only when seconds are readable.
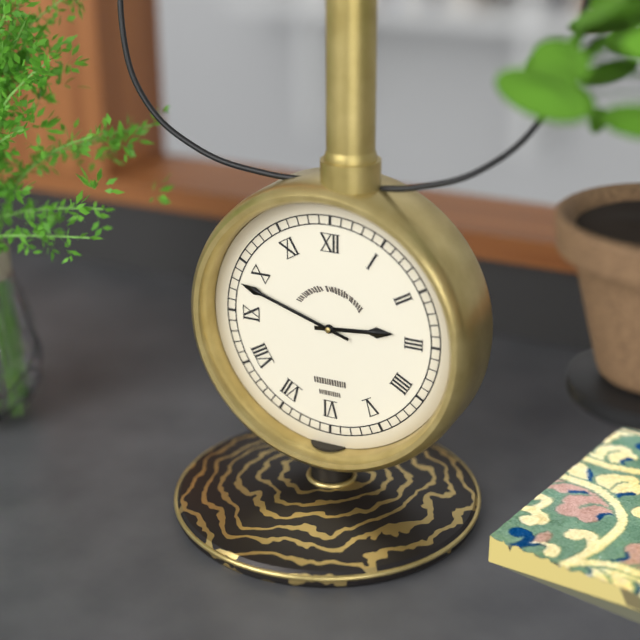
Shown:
h=2 m=48
